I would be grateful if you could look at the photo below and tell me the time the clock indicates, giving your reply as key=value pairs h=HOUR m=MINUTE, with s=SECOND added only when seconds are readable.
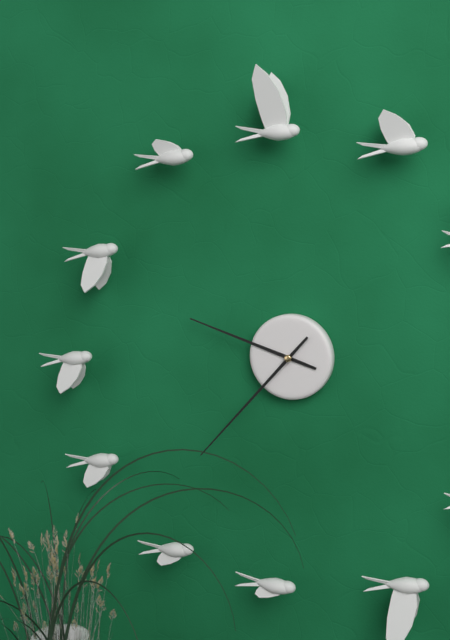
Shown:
h=9 m=37
